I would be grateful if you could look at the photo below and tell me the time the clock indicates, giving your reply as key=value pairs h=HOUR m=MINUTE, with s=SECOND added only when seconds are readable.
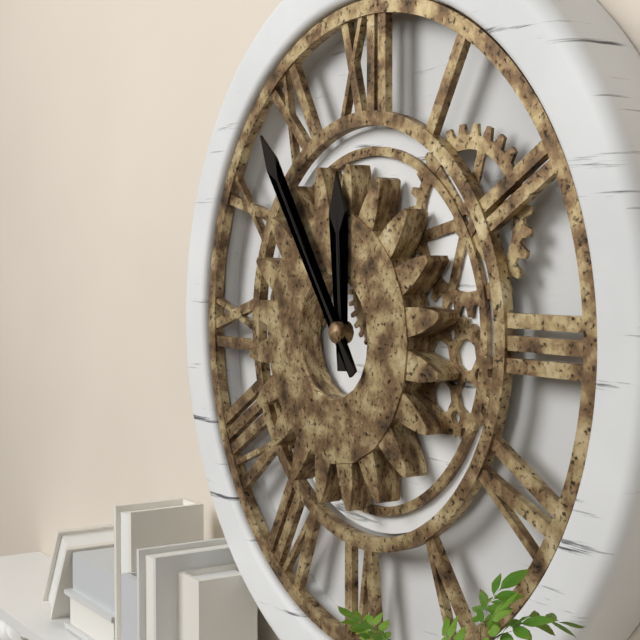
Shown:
h=11 m=54
